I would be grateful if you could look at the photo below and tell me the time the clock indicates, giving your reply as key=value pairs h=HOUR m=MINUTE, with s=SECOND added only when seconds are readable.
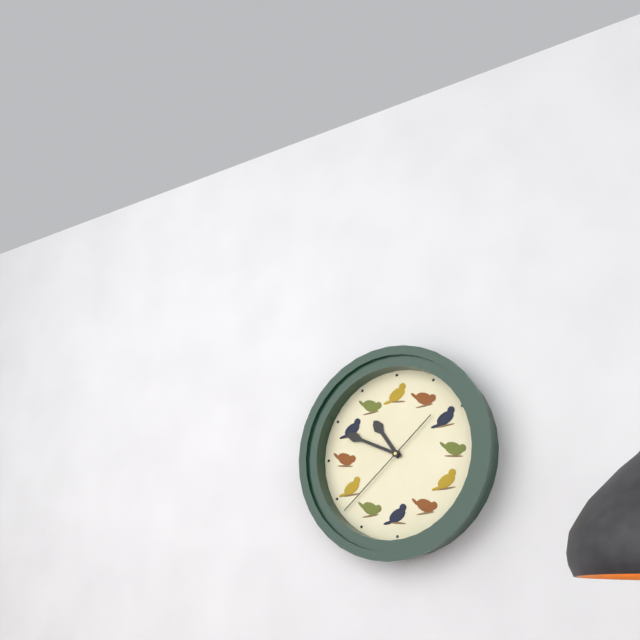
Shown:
h=10 m=49 s=38
